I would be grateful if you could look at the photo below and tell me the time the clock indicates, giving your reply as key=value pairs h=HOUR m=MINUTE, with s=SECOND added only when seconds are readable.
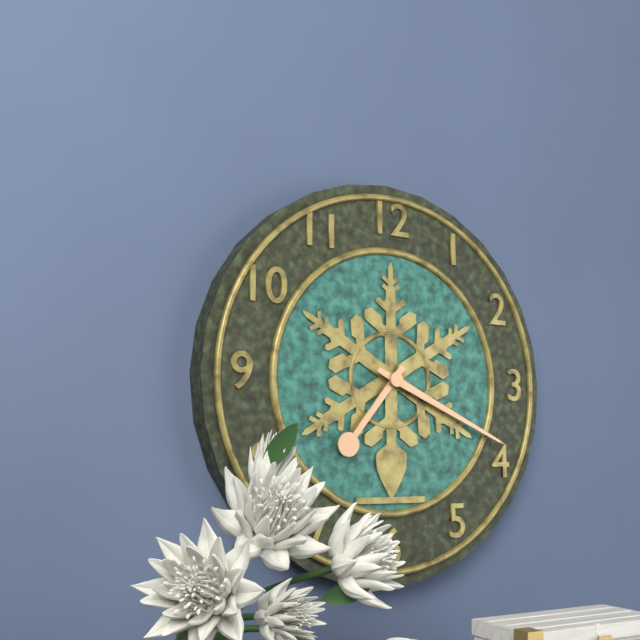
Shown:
h=7 m=19
